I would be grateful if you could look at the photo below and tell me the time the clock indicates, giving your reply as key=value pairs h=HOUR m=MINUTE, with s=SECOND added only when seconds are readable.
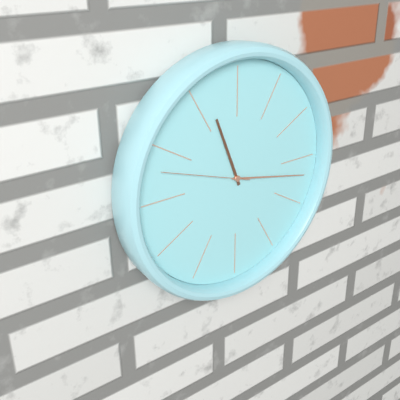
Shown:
h=11 m=17 s=48
